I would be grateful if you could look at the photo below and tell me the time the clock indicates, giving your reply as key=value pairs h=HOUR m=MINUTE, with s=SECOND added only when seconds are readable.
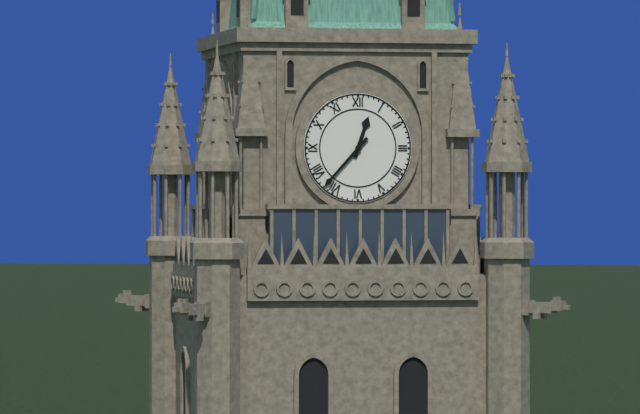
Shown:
h=12 m=37
